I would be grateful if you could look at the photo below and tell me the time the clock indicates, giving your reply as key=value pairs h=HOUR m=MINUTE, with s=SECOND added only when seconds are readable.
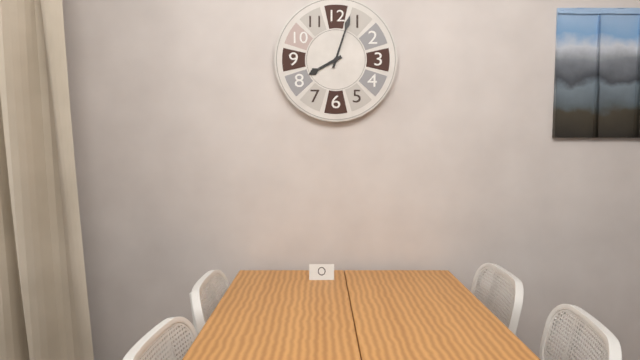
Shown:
h=8 m=3
